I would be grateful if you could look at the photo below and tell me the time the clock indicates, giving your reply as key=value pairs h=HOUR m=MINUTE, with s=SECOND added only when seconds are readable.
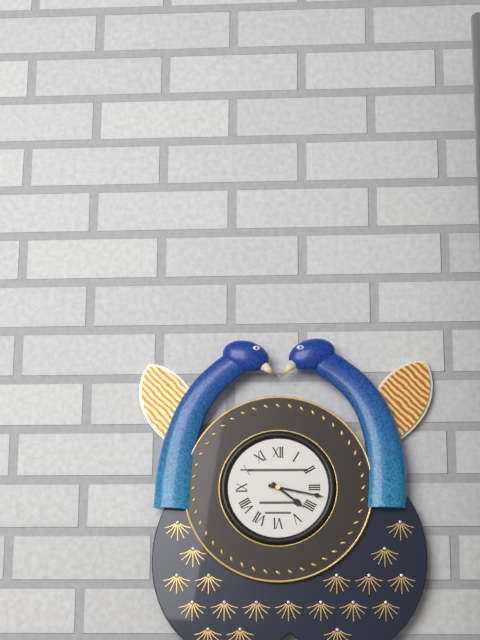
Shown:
h=4 m=17
